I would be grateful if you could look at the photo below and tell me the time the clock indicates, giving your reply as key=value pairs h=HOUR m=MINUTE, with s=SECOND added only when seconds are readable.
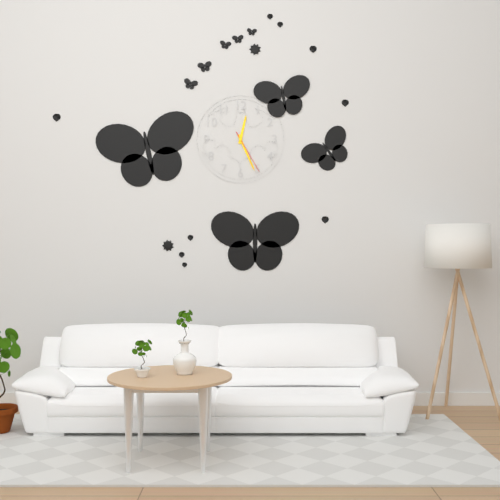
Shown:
h=12 m=26
